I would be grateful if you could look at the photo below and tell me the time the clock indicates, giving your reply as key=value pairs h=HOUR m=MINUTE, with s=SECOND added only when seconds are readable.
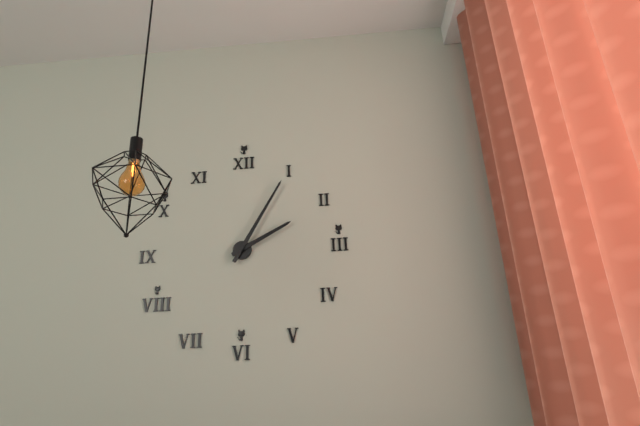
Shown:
h=2 m=5
